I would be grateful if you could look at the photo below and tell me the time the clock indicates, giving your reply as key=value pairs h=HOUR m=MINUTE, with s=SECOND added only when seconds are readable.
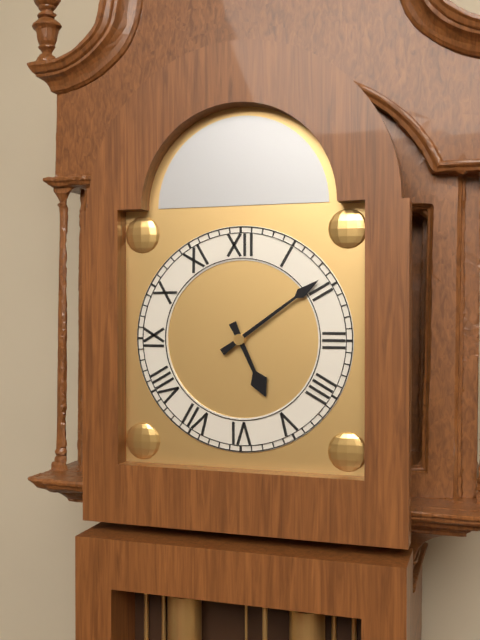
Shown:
h=5 m=9
